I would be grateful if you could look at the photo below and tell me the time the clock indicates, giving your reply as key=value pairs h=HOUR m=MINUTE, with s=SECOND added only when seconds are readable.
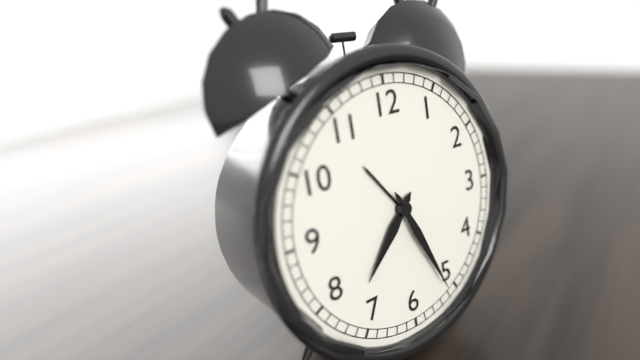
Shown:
h=7 m=26
